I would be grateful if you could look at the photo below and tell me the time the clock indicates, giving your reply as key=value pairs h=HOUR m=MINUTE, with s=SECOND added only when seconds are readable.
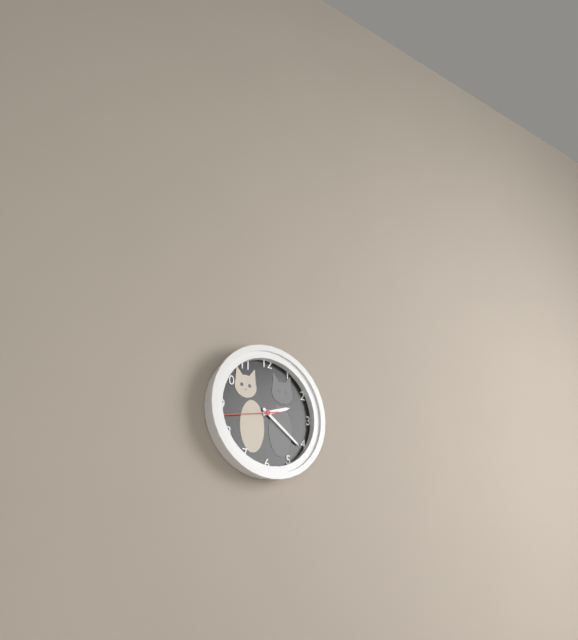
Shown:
h=2 m=21 s=43
